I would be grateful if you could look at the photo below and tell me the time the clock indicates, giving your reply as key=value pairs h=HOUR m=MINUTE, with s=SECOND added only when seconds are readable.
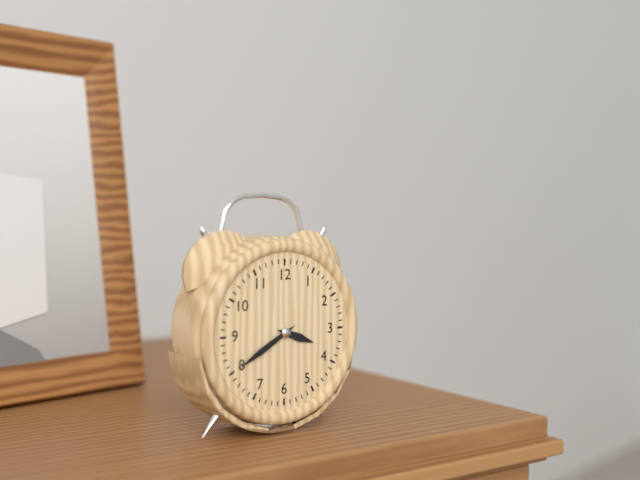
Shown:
h=3 m=40
